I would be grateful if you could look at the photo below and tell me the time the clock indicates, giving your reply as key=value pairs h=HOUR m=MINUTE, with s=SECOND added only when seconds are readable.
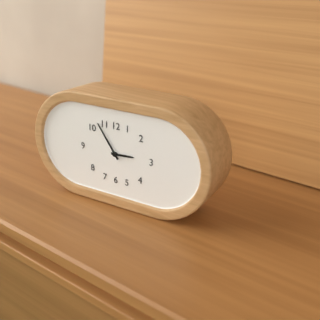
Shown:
h=2 m=54
